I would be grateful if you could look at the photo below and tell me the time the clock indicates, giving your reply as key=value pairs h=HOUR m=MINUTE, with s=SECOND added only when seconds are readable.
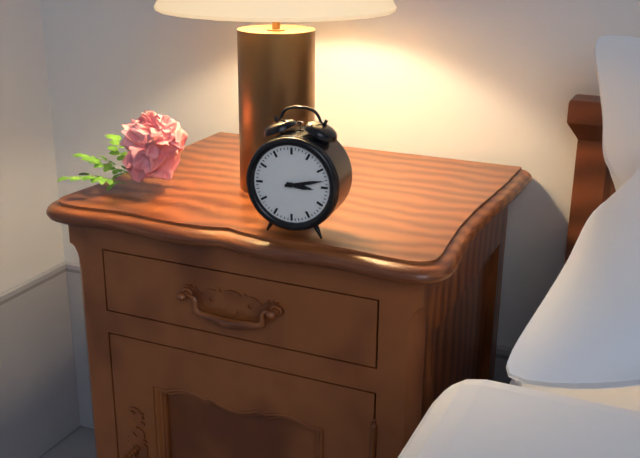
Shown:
h=3 m=13
